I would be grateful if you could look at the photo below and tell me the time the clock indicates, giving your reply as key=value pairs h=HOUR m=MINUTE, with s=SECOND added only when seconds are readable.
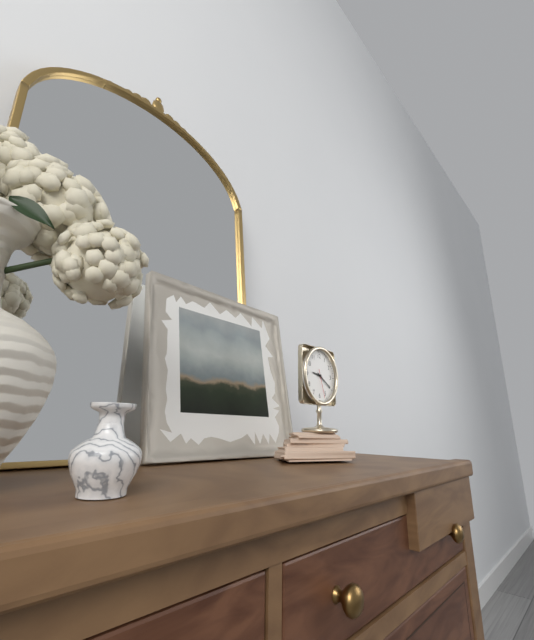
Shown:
h=9 m=20
